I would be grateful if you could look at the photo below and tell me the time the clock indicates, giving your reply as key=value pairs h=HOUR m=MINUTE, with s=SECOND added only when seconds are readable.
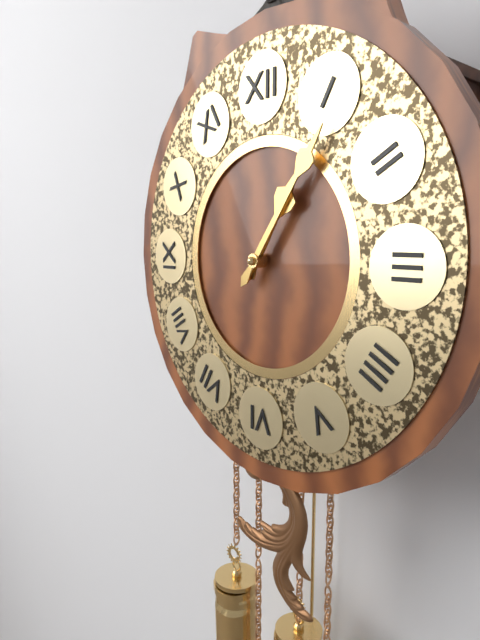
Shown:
h=1 m=6
